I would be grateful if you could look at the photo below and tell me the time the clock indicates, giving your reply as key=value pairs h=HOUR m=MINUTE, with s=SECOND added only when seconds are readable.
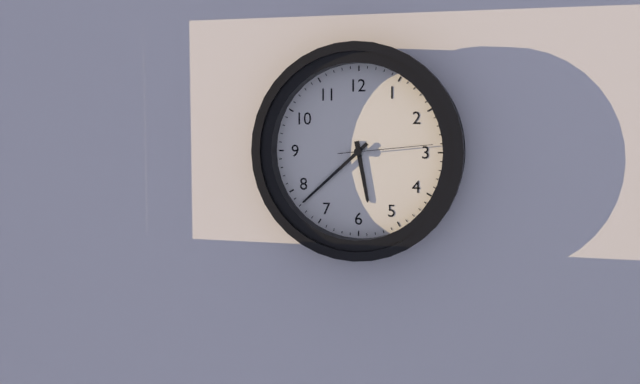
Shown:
h=5 m=38 s=14
